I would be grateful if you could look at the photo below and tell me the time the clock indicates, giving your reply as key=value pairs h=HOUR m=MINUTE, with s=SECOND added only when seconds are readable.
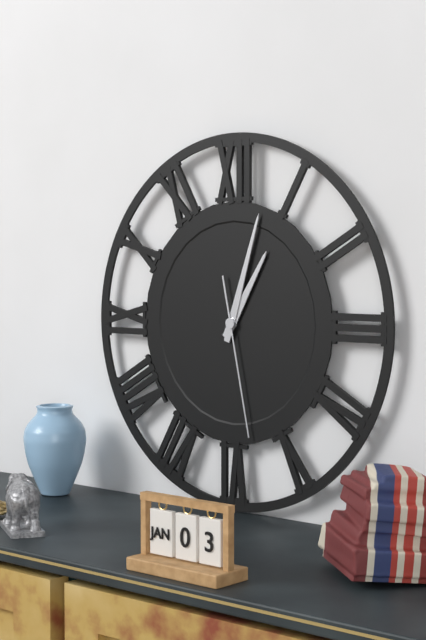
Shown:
h=1 m=3 s=28
